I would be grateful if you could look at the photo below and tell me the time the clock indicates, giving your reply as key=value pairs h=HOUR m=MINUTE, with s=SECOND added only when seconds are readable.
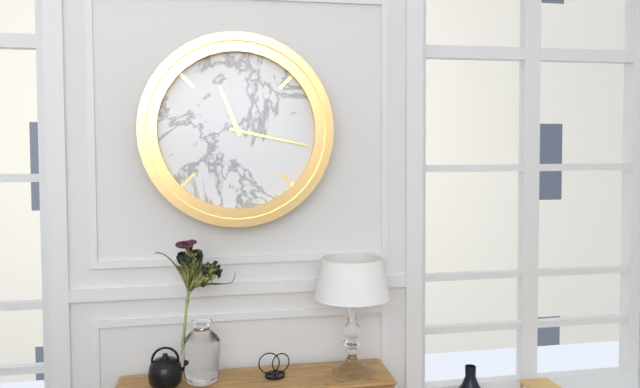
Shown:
h=11 m=17
